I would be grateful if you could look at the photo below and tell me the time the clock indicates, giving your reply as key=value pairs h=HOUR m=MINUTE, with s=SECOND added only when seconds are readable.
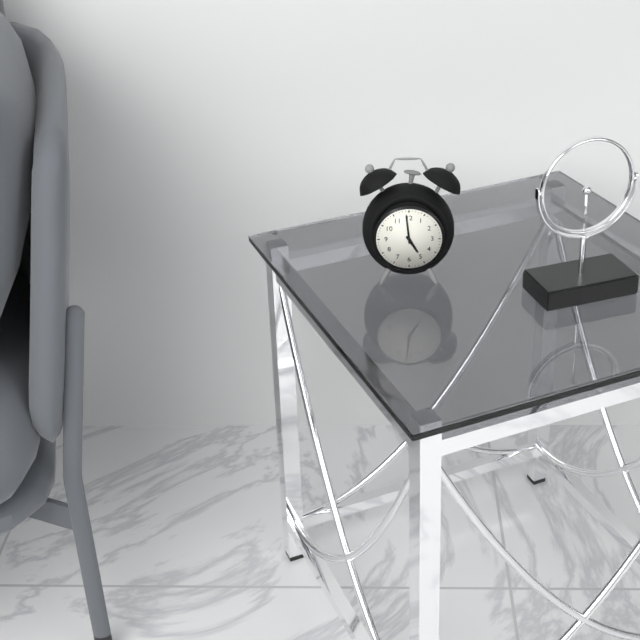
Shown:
h=4 m=59
